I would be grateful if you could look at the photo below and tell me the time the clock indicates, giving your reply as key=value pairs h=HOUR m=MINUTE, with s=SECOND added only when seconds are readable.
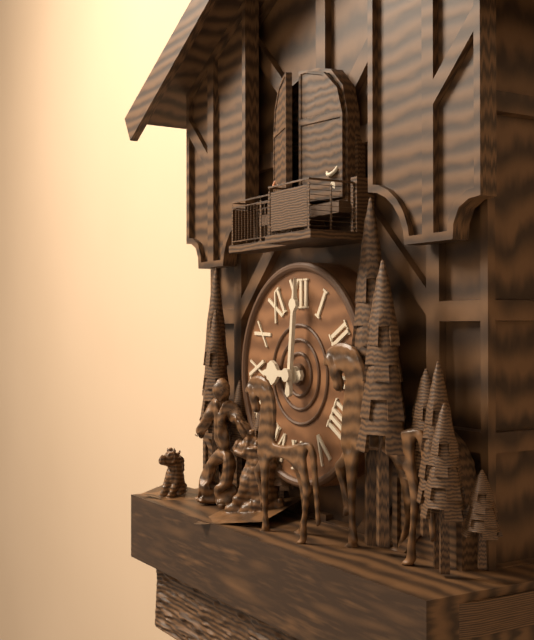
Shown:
h=9 m=1
